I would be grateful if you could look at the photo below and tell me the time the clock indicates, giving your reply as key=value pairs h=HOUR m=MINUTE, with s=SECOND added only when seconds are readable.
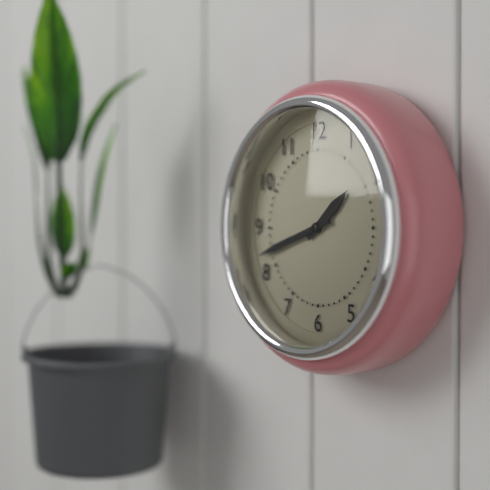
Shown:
h=1 m=42
